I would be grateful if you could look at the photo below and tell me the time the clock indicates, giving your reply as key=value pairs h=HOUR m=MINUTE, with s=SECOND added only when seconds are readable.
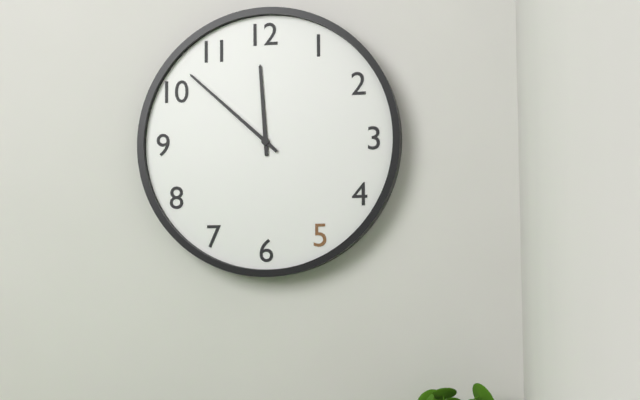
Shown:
h=11 m=52
